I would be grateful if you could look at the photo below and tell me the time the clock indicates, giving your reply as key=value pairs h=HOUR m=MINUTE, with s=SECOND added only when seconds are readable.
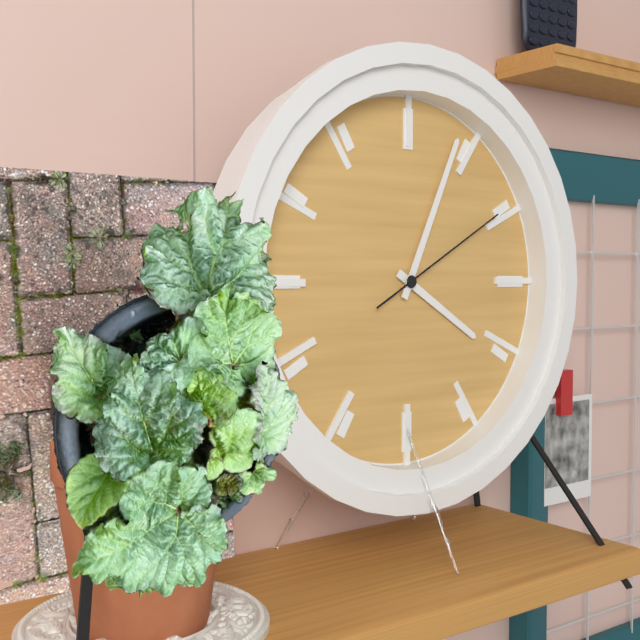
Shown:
h=4 m=4 s=10
